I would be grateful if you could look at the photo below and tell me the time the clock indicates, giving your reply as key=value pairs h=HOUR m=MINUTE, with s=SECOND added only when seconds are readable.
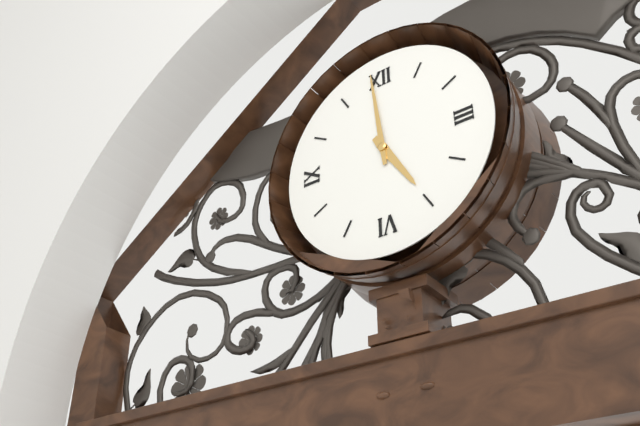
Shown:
h=4 m=59
